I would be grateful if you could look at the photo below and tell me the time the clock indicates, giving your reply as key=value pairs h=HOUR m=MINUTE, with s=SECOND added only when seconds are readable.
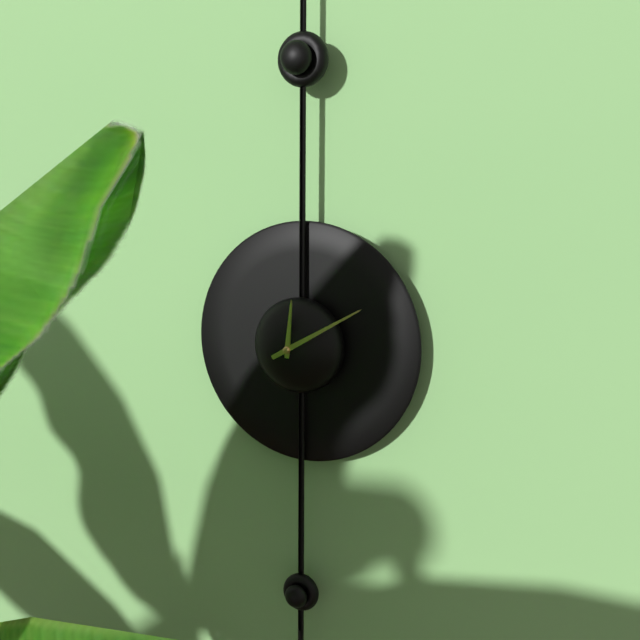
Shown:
h=12 m=10
